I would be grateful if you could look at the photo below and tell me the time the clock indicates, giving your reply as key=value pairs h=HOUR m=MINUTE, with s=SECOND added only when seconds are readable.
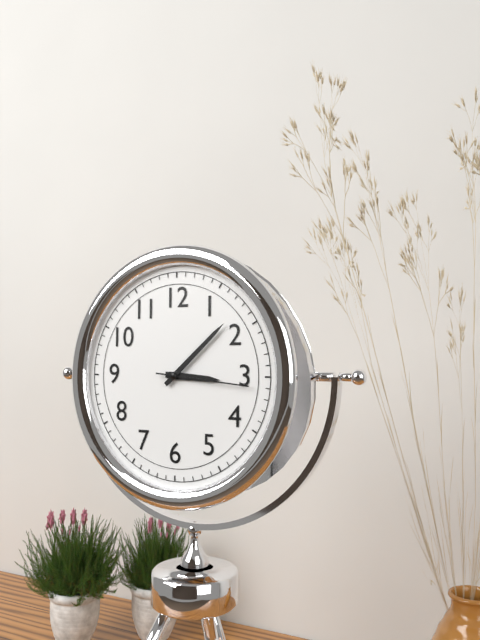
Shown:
h=3 m=8 s=16
